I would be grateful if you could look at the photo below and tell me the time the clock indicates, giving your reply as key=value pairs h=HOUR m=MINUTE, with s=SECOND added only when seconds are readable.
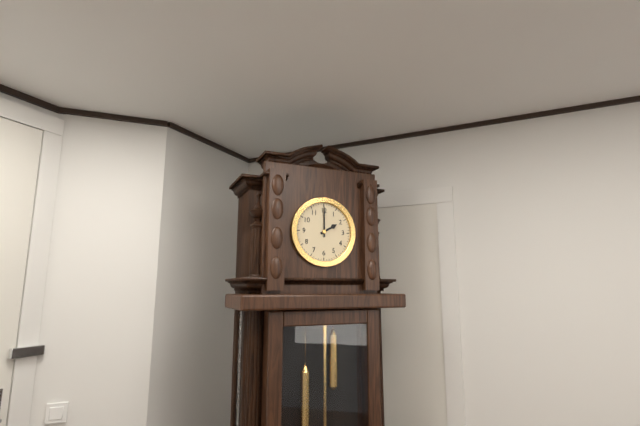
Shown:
h=2 m=0
